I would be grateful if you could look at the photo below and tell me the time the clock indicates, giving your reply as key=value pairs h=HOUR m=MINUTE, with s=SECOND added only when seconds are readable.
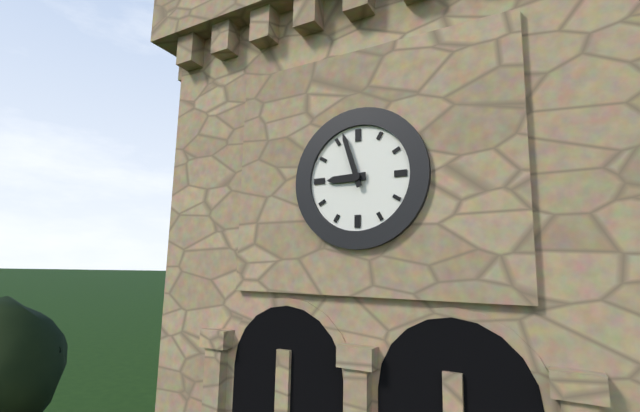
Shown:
h=8 m=57
